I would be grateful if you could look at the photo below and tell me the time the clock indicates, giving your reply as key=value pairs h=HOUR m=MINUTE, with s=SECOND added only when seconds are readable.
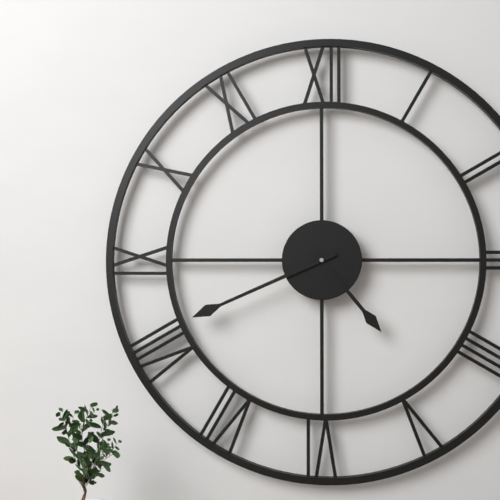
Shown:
h=4 m=41
